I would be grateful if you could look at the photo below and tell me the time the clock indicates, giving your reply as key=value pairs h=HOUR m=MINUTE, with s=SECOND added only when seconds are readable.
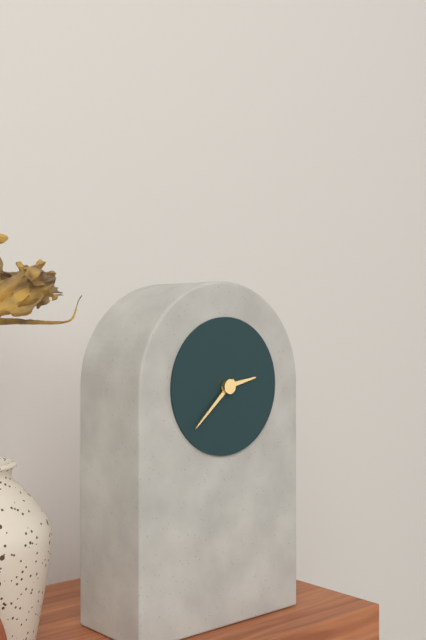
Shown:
h=2 m=38
